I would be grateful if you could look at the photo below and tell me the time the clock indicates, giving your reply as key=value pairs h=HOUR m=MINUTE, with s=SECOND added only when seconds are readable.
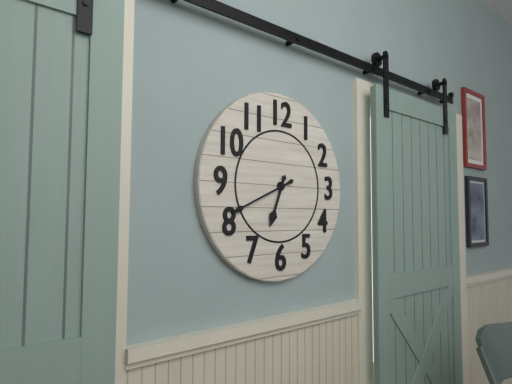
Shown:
h=6 m=41
